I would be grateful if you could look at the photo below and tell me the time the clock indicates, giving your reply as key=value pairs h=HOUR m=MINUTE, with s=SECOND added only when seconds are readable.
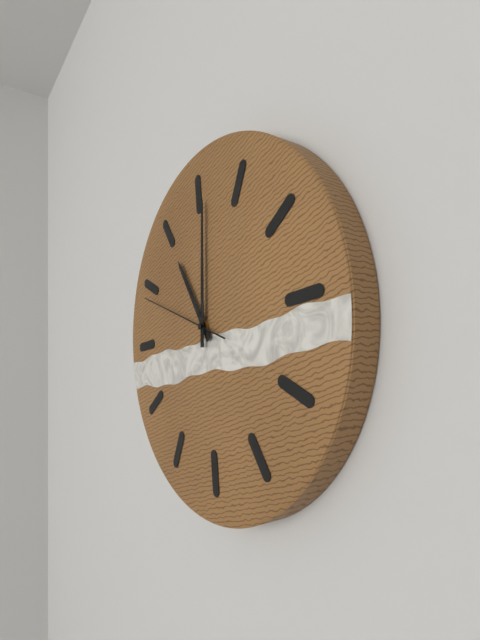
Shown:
h=11 m=1 s=49
